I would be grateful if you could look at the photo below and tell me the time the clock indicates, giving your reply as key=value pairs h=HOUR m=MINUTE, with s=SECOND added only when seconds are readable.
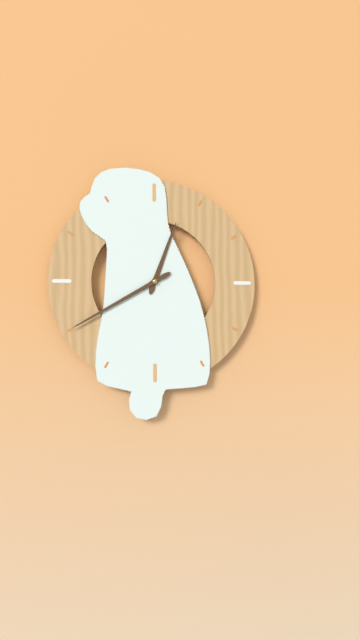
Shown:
h=12 m=40
